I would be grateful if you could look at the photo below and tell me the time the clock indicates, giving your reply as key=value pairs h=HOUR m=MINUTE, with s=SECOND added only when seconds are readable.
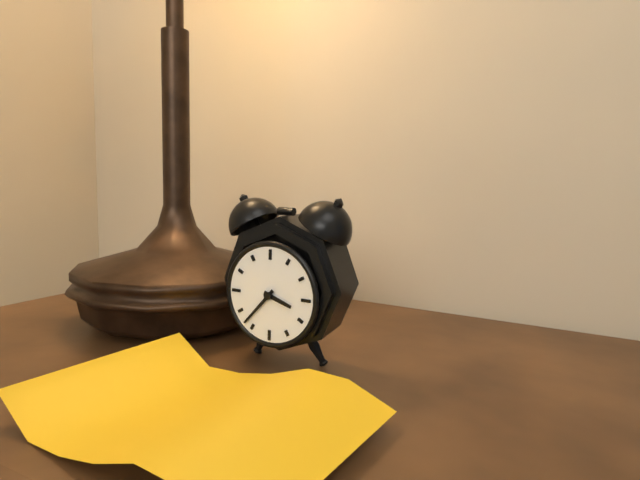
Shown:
h=3 m=37
